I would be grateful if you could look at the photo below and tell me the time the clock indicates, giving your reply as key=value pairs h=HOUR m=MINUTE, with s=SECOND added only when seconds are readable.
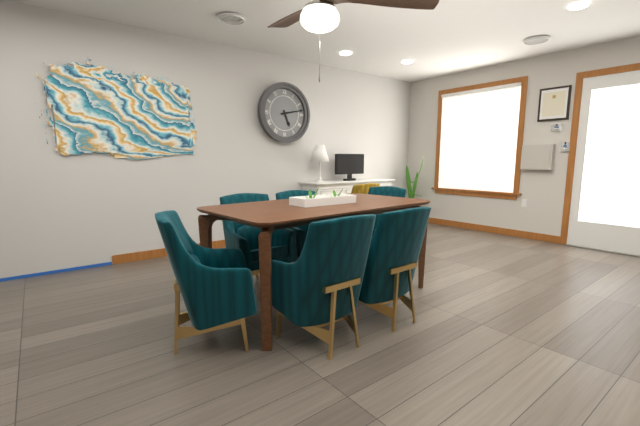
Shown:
h=5 m=13
